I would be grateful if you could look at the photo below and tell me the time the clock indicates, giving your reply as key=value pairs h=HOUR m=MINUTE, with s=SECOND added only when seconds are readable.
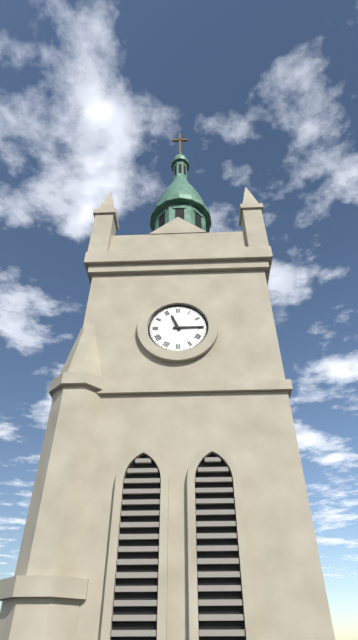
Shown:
h=11 m=15
